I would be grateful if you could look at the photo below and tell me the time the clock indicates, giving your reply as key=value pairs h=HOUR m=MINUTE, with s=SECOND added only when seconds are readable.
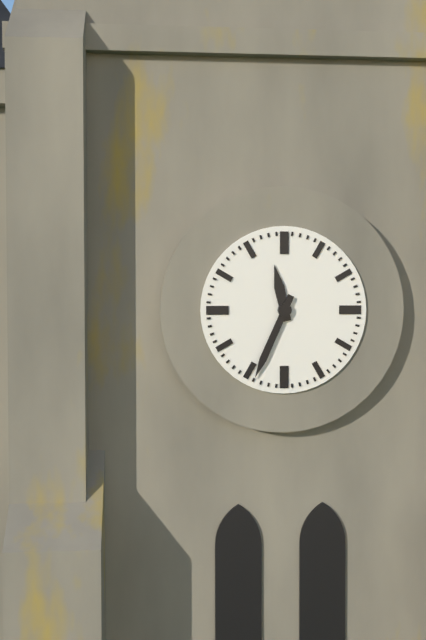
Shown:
h=11 m=34
